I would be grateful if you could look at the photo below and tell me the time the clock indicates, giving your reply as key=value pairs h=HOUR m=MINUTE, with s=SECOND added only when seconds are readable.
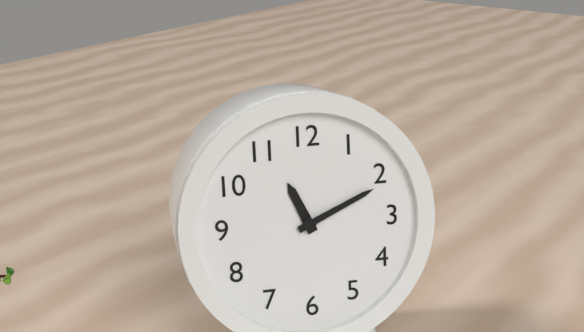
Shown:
h=11 m=11
